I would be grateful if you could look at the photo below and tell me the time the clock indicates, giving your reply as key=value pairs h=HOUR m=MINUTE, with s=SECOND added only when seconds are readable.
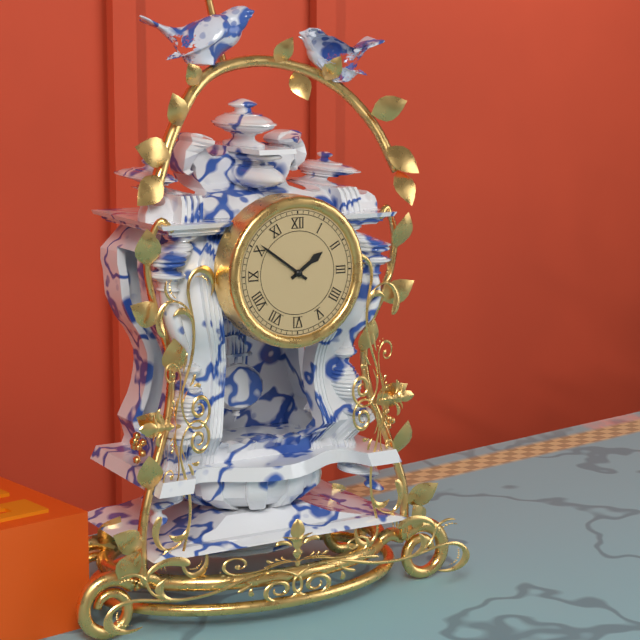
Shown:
h=1 m=51
